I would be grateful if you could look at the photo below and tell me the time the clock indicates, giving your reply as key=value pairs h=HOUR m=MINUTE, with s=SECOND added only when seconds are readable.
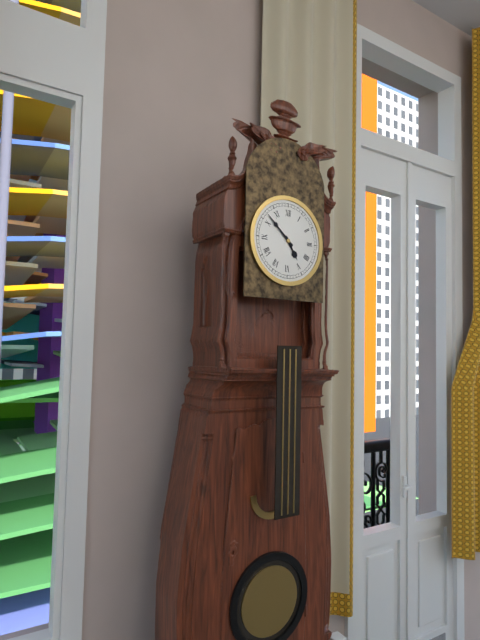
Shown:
h=4 m=52
